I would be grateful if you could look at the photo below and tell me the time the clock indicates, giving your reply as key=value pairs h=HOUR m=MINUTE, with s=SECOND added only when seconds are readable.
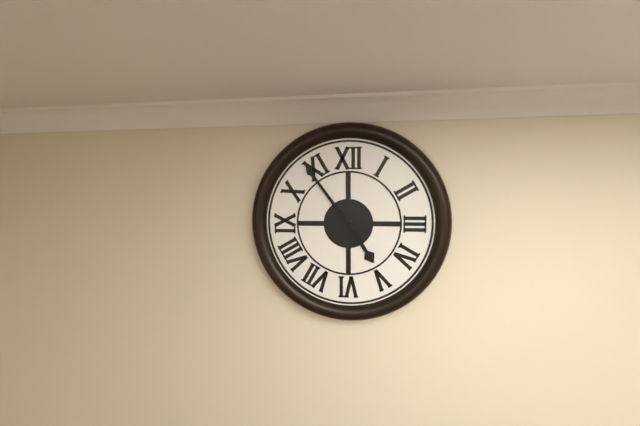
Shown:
h=4 m=54
